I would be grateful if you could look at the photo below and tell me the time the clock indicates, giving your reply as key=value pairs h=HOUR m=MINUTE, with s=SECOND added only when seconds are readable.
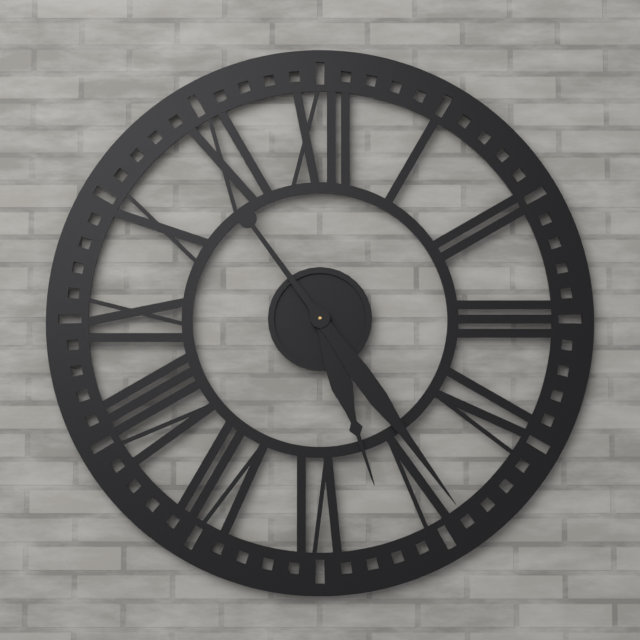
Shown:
h=5 m=24
